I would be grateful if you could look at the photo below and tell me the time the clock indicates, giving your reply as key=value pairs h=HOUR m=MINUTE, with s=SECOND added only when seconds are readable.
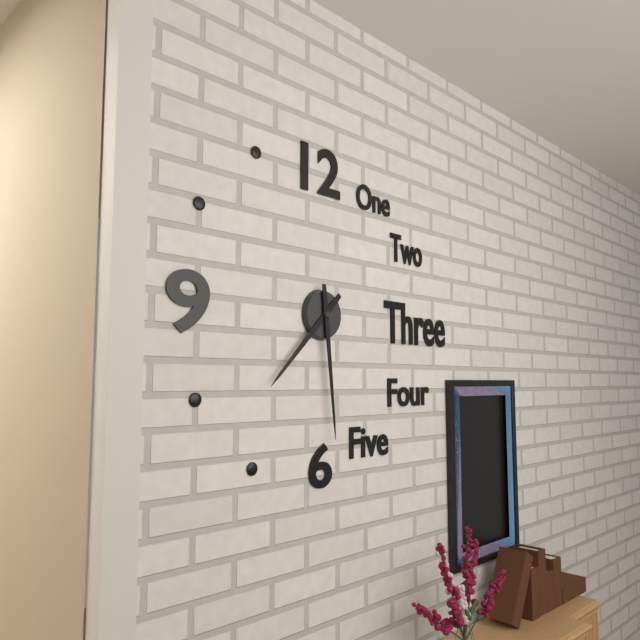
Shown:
h=7 m=29
